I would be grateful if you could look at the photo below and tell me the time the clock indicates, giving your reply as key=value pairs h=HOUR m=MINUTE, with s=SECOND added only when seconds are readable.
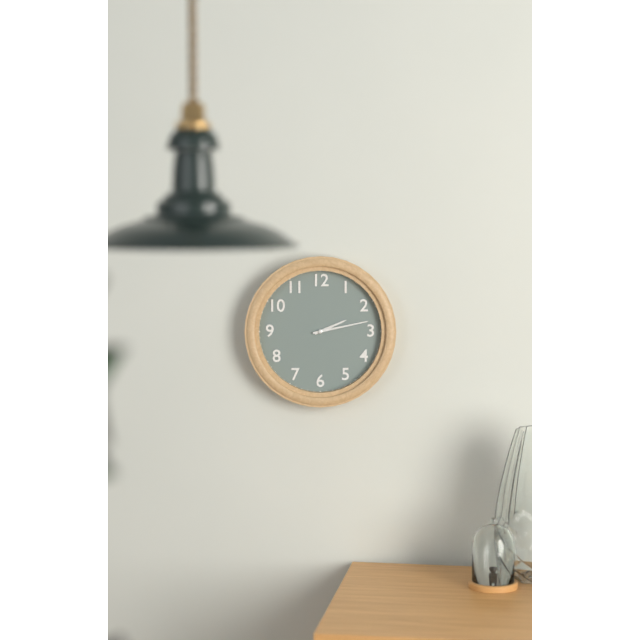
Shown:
h=2 m=13
